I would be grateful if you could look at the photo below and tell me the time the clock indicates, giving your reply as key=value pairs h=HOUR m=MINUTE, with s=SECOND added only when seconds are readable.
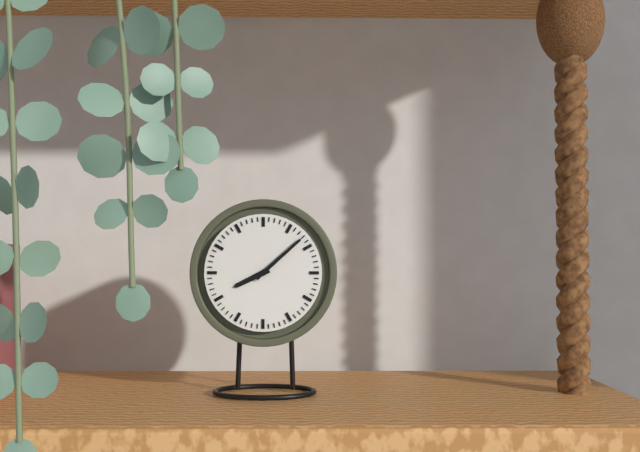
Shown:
h=8 m=8
